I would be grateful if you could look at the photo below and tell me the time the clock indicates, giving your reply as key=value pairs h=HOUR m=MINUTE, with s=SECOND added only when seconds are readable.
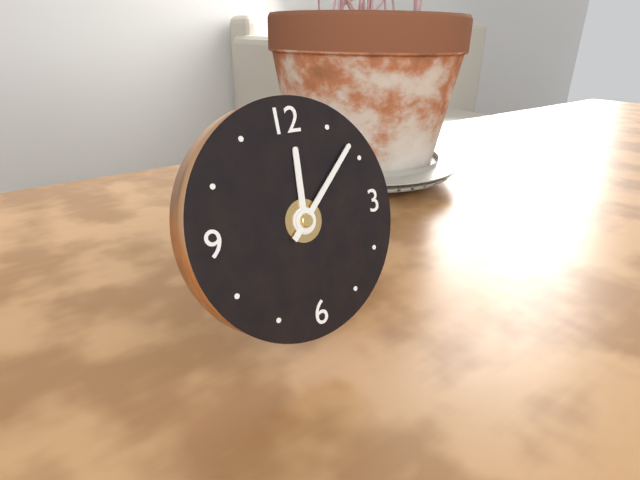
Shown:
h=12 m=8
